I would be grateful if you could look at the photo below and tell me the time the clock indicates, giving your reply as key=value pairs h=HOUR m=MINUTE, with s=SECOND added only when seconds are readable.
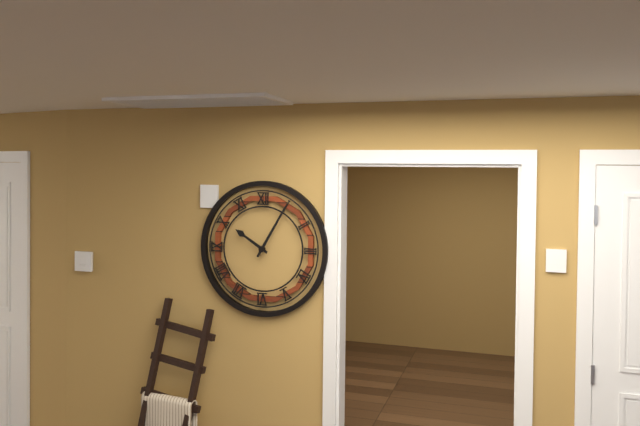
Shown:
h=10 m=5
